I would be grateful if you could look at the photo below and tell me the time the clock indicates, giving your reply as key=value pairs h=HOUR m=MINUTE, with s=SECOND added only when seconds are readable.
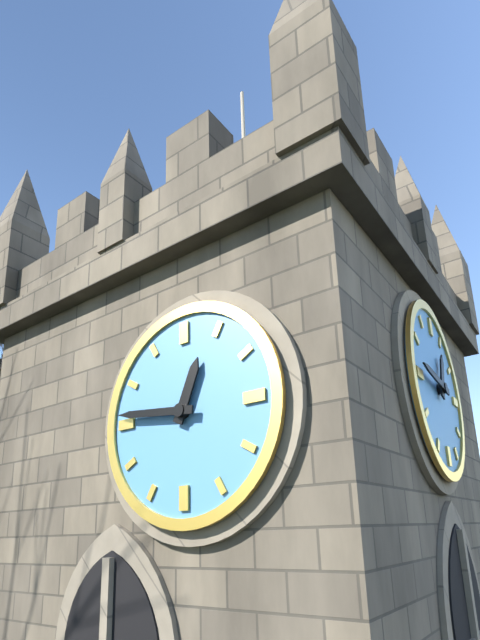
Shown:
h=12 m=46
